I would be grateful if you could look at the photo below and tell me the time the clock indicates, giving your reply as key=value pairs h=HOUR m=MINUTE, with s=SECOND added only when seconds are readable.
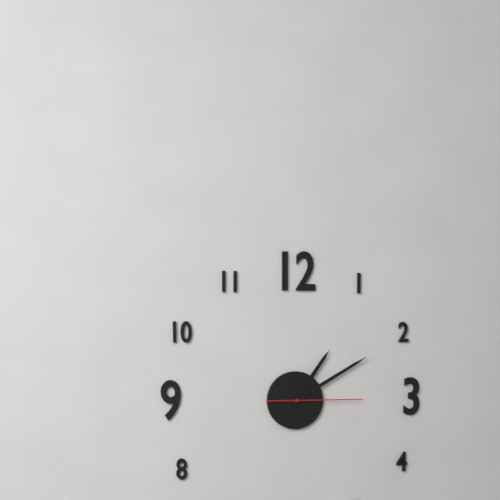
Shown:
h=1 m=10 s=15
